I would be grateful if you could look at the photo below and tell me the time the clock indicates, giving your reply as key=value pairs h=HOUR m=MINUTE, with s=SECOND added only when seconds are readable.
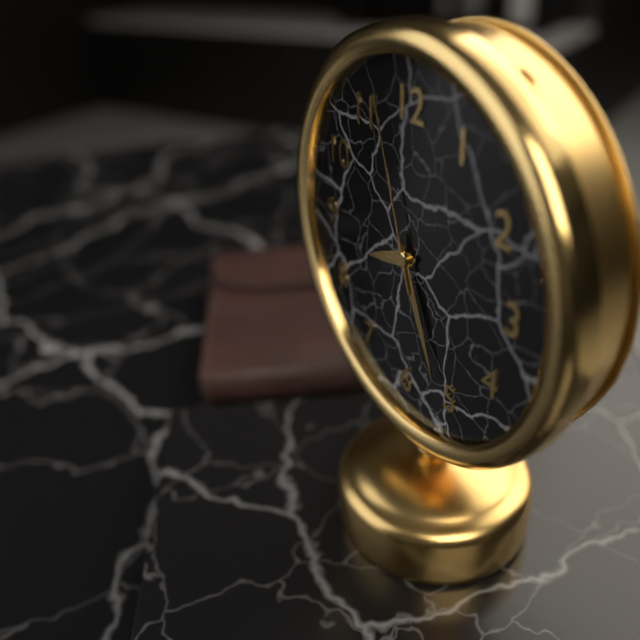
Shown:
h=8 m=26 s=57
